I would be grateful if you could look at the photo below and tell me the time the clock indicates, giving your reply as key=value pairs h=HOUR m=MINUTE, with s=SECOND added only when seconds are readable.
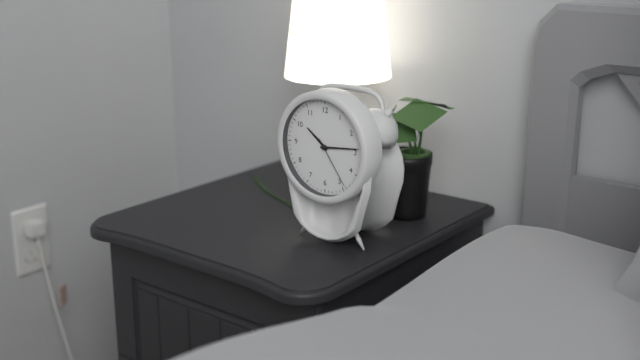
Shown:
h=10 m=14 s=24
